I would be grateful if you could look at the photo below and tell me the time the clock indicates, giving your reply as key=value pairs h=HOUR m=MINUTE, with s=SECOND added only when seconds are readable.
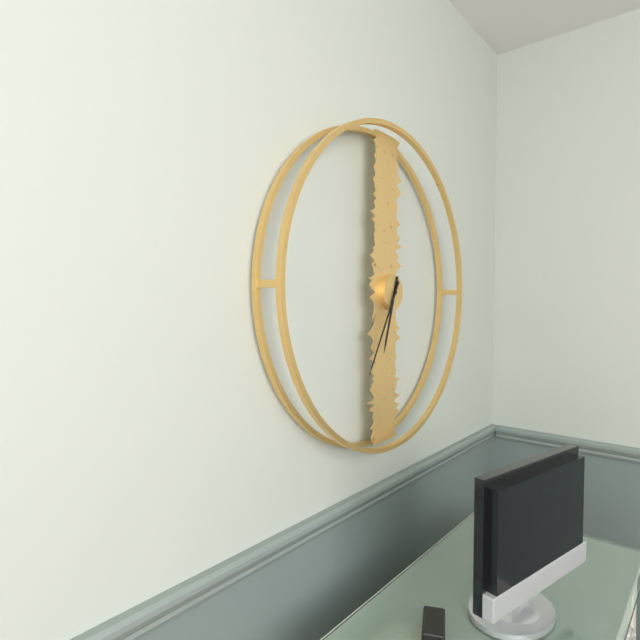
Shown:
h=6 m=35
